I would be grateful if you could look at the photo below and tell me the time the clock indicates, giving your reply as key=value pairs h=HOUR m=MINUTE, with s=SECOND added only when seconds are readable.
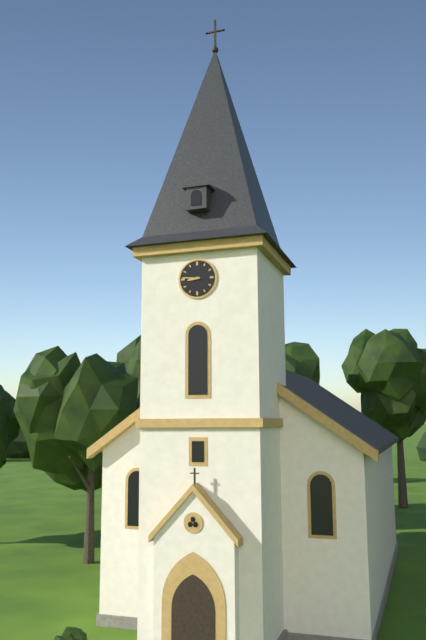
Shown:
h=8 m=46
